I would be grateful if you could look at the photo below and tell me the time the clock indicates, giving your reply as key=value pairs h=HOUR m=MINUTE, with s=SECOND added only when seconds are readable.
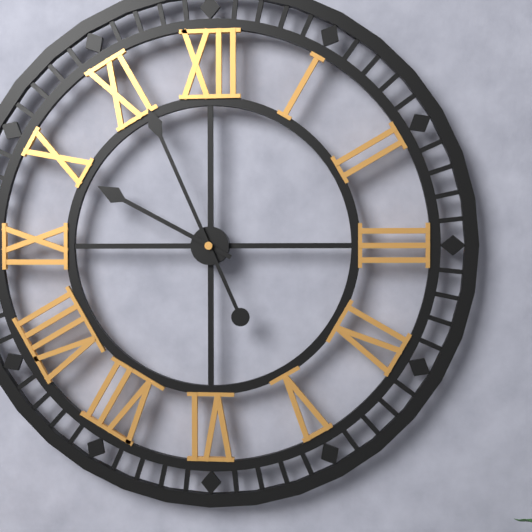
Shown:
h=9 m=56
